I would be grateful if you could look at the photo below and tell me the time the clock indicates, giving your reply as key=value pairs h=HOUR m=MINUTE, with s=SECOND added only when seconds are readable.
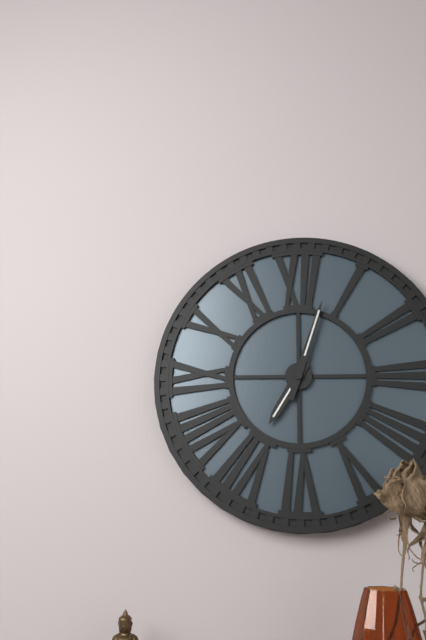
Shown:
h=7 m=3
